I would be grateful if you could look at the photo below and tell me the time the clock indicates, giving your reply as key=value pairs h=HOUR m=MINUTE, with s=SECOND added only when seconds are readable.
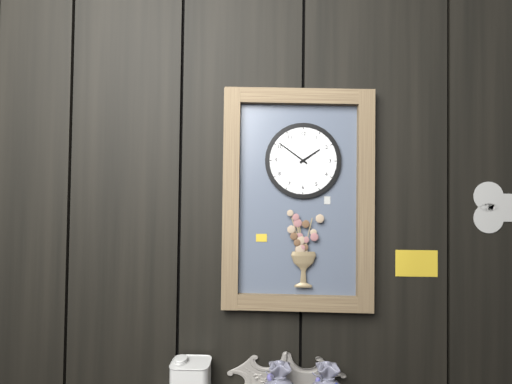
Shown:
h=1 m=51
